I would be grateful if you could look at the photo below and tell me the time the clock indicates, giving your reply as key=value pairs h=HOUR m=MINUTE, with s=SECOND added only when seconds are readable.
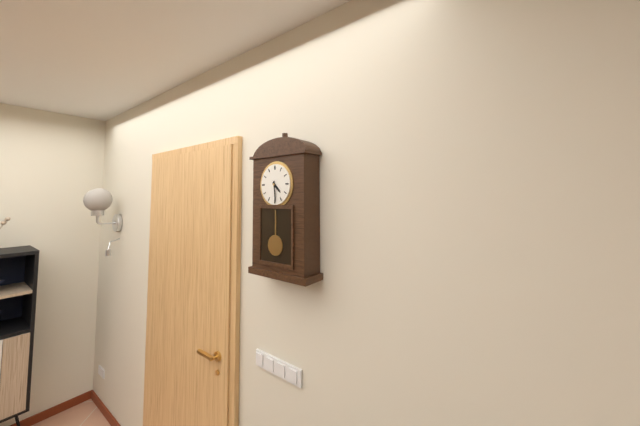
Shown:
h=4 m=29
